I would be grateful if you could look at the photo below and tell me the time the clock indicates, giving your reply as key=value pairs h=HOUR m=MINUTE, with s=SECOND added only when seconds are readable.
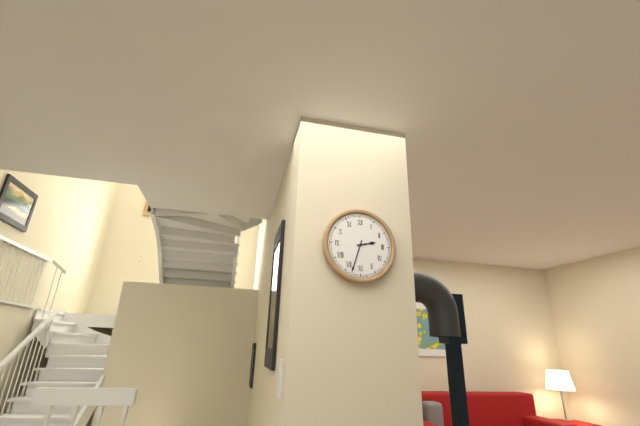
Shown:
h=2 m=33
